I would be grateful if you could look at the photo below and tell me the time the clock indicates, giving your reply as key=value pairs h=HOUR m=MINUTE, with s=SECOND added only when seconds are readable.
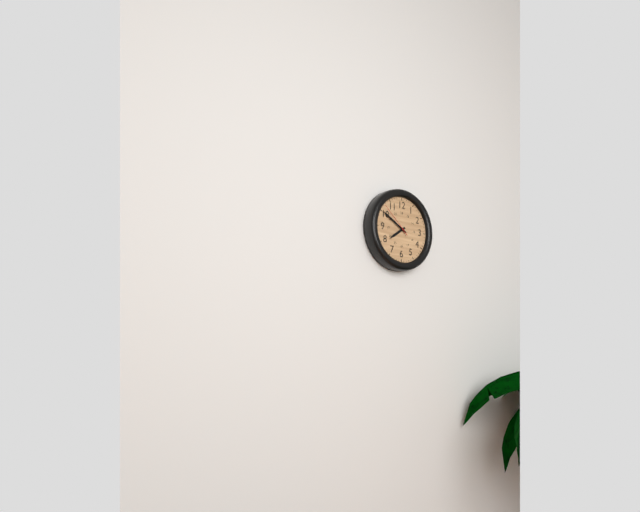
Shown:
h=7 m=50
